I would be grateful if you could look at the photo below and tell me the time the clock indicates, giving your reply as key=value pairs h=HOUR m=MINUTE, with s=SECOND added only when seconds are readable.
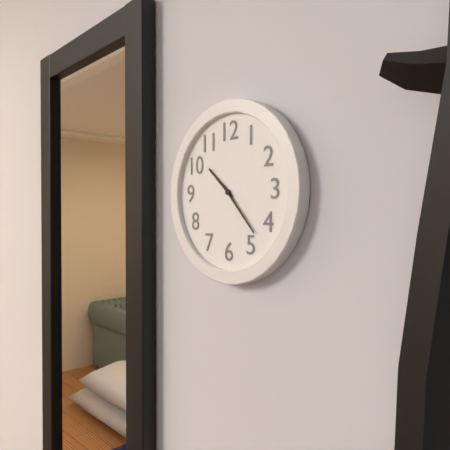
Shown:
h=10 m=23
